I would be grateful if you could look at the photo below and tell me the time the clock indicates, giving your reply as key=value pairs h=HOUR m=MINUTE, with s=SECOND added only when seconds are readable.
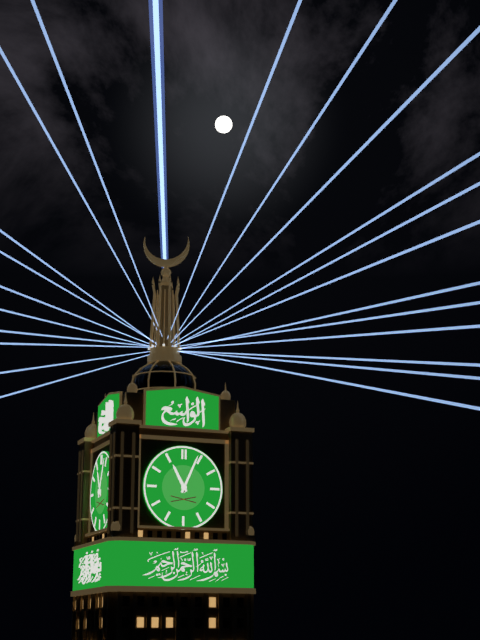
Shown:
h=11 m=4
